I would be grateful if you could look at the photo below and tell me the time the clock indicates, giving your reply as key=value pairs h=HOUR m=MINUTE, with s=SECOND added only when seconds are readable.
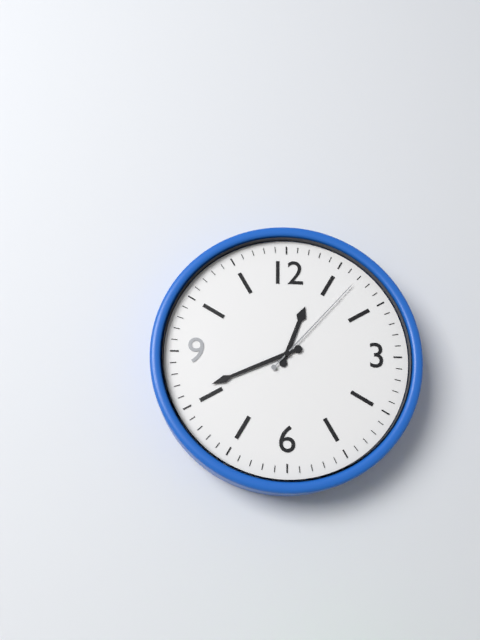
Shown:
h=12 m=41 s=7
